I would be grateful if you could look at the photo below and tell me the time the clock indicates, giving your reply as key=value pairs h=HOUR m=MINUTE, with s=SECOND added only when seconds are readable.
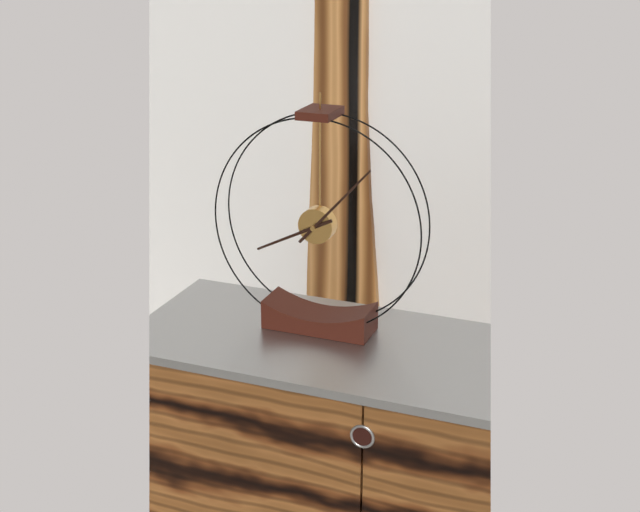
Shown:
h=8 m=7
